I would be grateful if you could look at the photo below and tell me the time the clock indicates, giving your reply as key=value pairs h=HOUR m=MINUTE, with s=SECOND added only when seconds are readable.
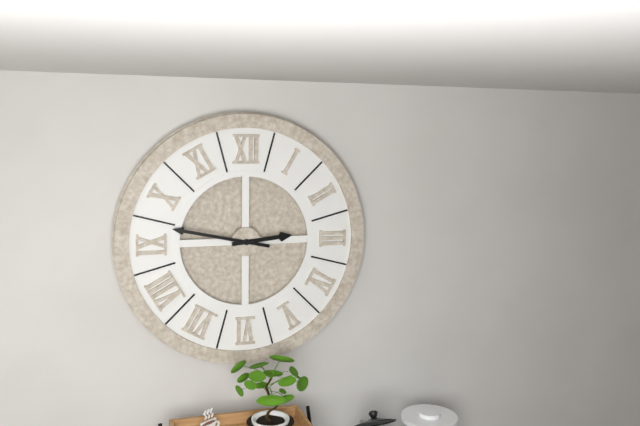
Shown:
h=2 m=47
